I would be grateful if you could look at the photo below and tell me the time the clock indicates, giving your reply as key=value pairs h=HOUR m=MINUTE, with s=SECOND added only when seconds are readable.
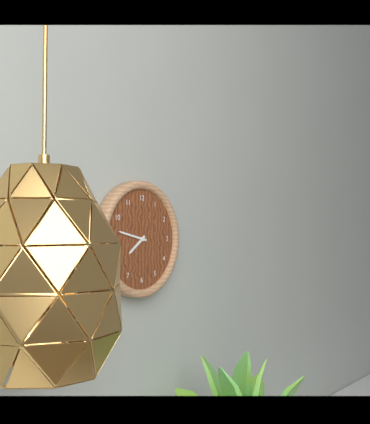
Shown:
h=7 m=47
